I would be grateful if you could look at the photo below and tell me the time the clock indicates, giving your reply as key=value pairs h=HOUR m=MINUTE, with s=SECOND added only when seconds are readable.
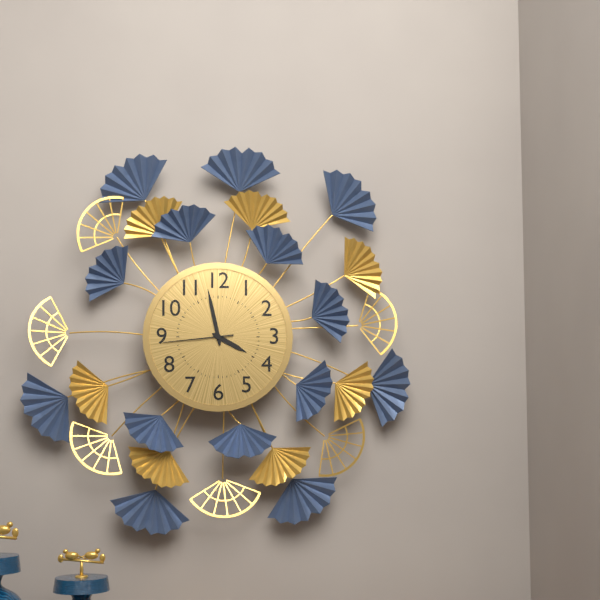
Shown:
h=3 m=58 s=44
